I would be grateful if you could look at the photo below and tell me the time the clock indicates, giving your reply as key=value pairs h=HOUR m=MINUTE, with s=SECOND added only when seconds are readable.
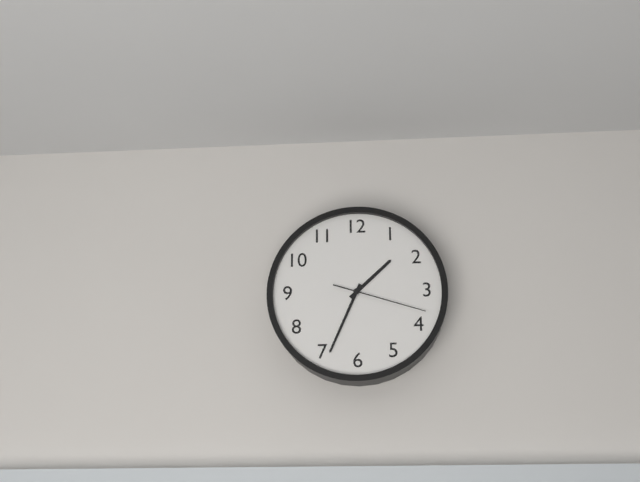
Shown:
h=1 m=34 s=18
